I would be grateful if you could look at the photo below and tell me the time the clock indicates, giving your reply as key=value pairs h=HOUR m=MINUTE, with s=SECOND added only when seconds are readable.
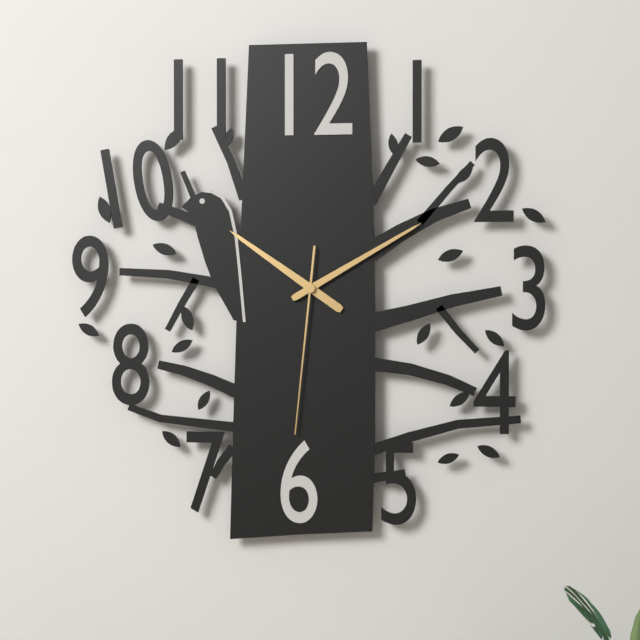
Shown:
h=10 m=10 s=31
